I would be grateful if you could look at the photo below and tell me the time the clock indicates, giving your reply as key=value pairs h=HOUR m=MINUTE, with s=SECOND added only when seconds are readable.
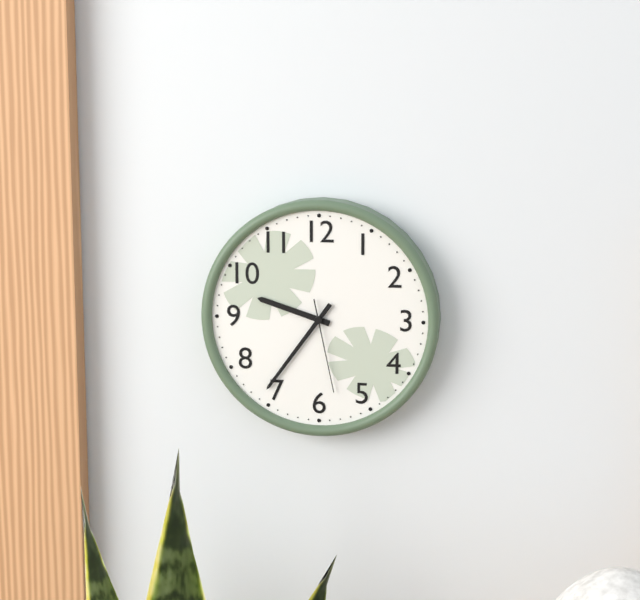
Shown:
h=9 m=36 s=28
